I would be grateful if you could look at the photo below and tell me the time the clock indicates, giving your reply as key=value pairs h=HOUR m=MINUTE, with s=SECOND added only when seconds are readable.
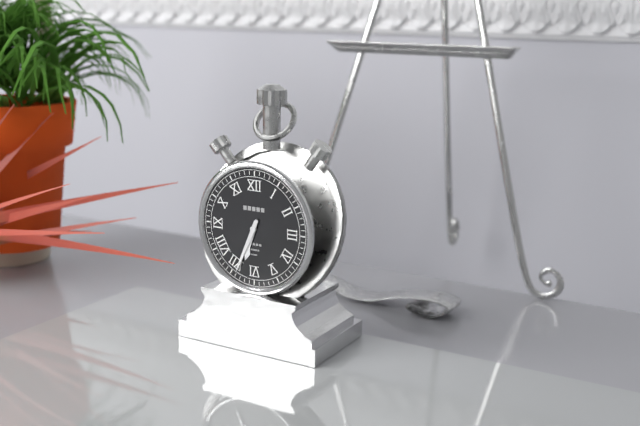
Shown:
h=6 m=34
